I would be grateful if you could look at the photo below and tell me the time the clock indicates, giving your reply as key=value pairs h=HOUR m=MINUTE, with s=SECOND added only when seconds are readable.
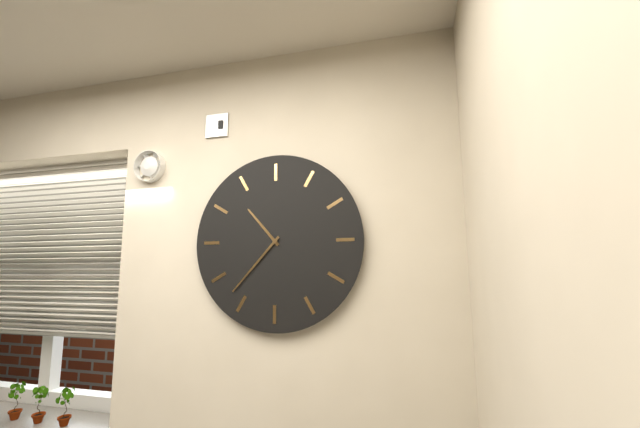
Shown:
h=10 m=37
